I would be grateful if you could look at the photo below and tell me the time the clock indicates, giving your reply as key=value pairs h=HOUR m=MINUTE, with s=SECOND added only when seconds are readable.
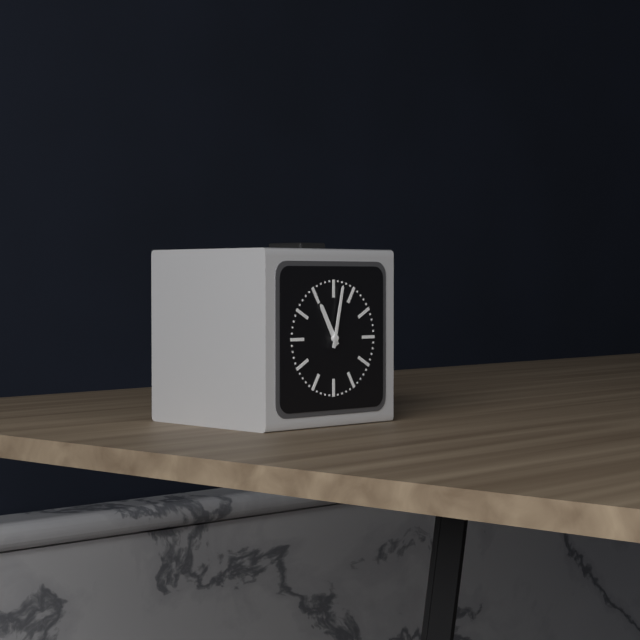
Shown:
h=11 m=2
